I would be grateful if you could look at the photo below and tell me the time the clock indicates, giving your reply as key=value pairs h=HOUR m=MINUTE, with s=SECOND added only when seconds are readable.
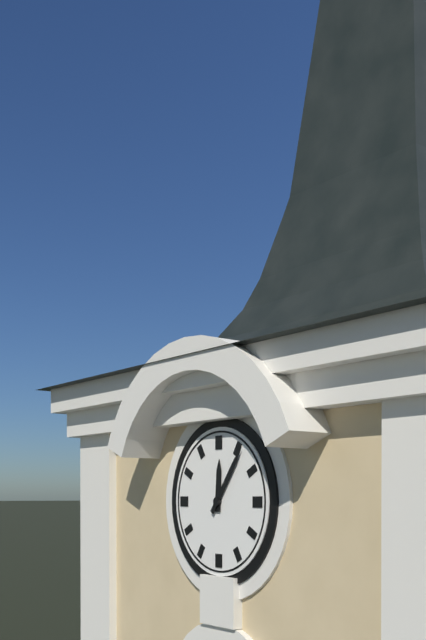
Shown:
h=12 m=6
